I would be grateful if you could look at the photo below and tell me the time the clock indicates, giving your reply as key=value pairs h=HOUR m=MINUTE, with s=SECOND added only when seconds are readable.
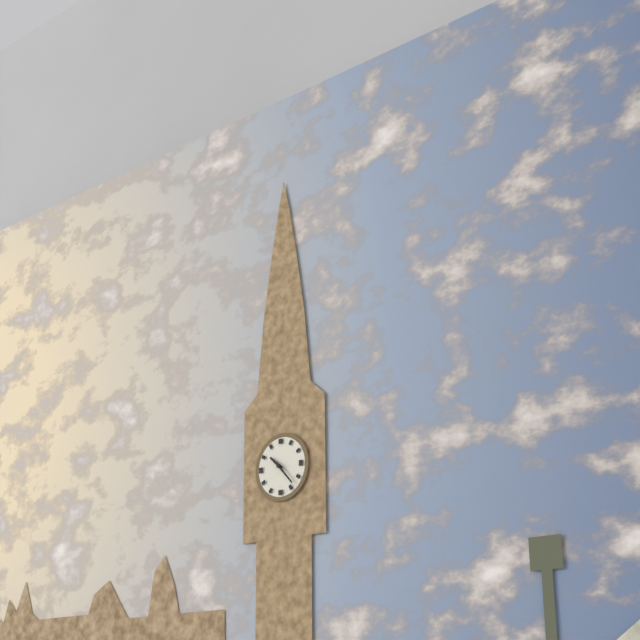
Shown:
h=10 m=23
